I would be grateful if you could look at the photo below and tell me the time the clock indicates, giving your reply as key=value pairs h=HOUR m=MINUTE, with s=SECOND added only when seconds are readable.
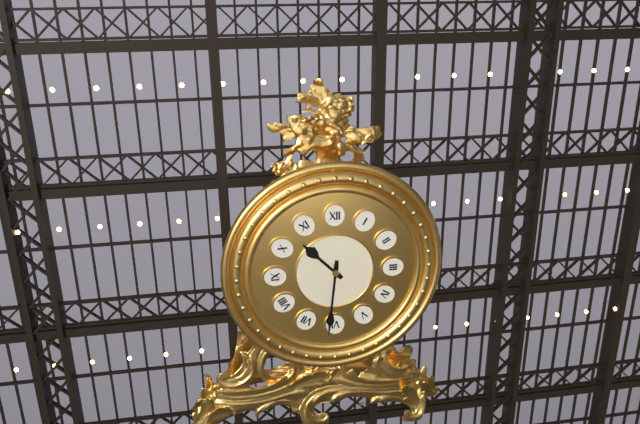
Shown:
h=10 m=31
